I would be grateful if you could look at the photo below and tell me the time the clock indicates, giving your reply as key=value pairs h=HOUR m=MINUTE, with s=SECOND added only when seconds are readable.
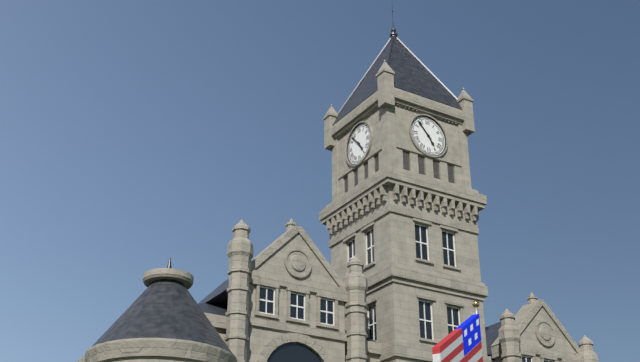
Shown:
h=4 m=53
